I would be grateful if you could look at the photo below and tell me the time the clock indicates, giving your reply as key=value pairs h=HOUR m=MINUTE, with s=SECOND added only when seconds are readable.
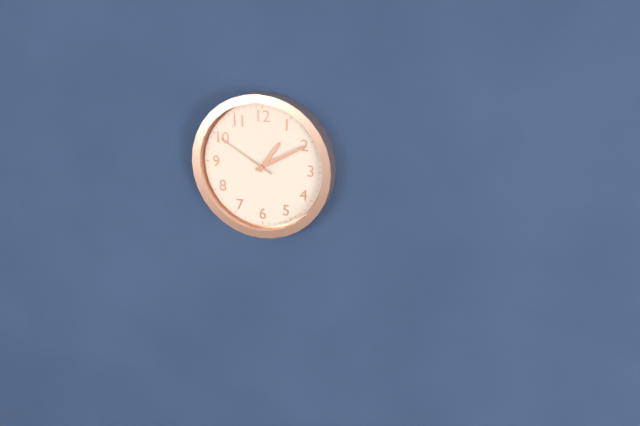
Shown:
h=1 m=10 s=50
